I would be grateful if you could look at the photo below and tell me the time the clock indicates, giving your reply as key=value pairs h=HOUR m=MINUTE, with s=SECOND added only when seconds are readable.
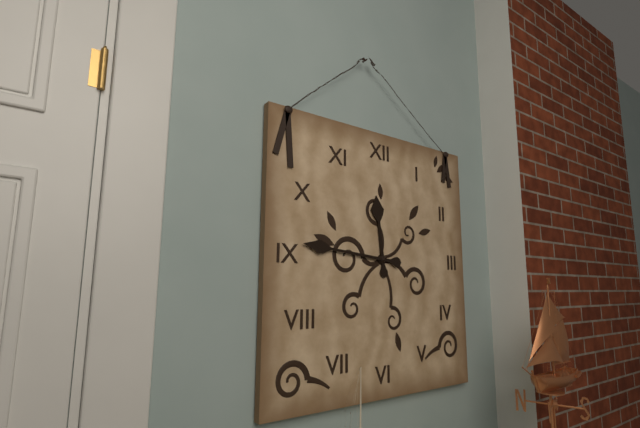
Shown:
h=11 m=46
